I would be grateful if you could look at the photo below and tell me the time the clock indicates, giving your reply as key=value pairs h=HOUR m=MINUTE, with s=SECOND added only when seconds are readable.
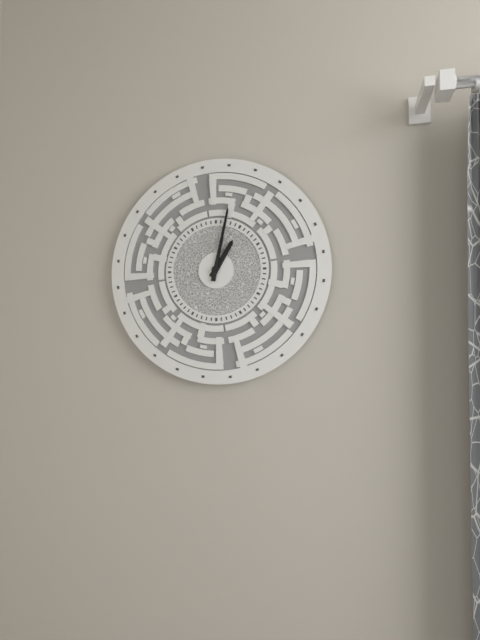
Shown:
h=1 m=2
